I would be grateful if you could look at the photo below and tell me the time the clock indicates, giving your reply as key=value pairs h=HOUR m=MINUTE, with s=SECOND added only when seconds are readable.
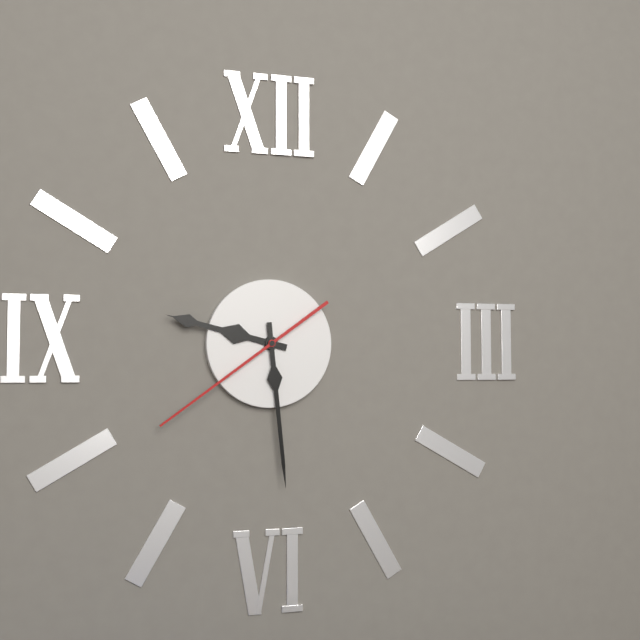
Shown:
h=9 m=29 s=39
